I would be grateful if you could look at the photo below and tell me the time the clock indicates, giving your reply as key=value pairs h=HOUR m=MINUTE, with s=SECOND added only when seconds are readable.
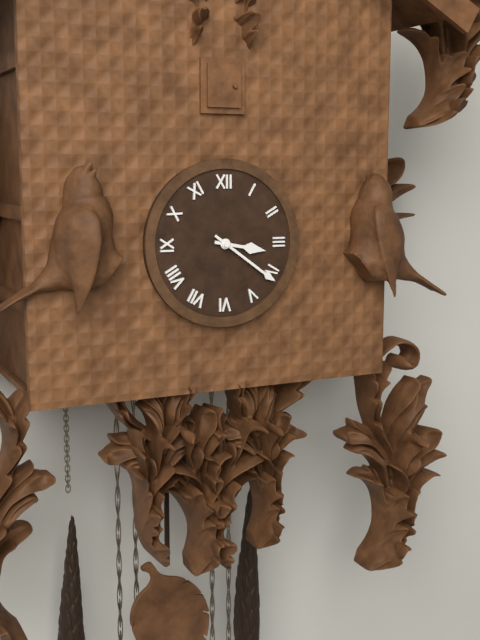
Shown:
h=3 m=21
